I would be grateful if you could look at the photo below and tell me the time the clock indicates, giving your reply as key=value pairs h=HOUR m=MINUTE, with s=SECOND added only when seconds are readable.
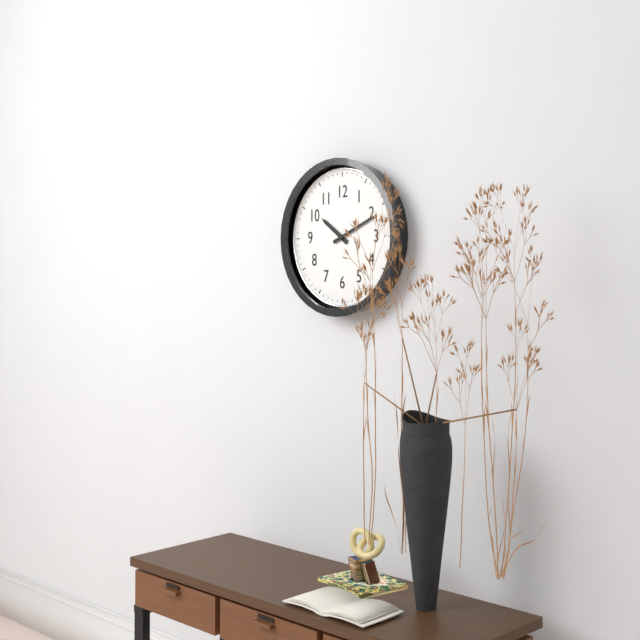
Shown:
h=10 m=11
